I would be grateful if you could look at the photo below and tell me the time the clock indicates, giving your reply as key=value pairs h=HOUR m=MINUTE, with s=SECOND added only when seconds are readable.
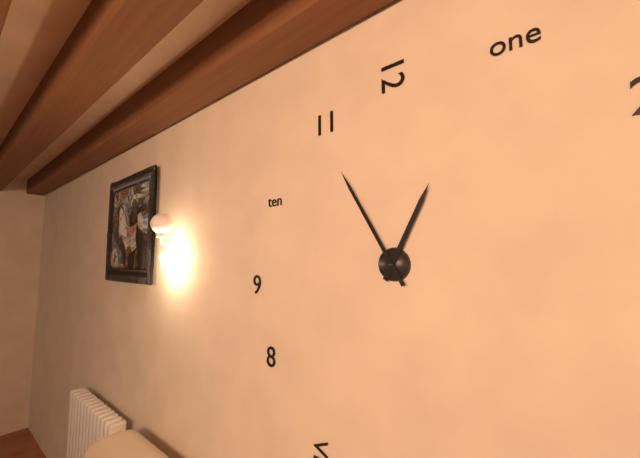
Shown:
h=12 m=55
